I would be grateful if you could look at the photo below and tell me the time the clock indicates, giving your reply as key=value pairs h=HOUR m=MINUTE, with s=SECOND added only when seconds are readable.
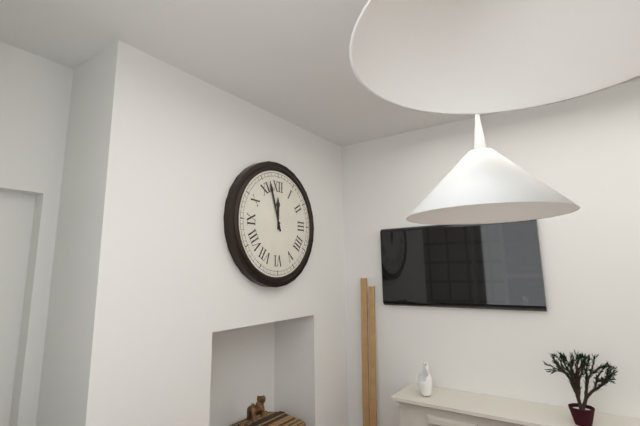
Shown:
h=11 m=57
